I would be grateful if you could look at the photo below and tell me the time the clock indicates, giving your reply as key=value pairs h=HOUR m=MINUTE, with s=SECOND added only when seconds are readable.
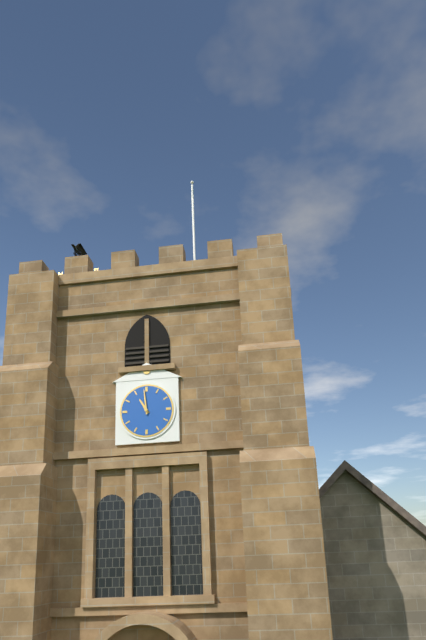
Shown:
h=10 m=59
